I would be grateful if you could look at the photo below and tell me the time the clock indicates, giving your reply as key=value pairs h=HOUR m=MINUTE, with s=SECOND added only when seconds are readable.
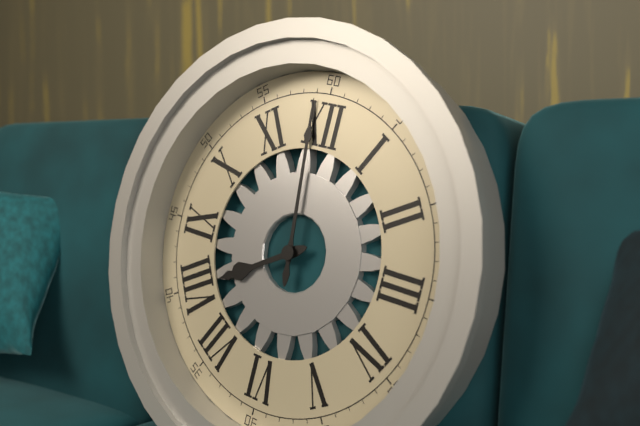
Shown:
h=7 m=59
